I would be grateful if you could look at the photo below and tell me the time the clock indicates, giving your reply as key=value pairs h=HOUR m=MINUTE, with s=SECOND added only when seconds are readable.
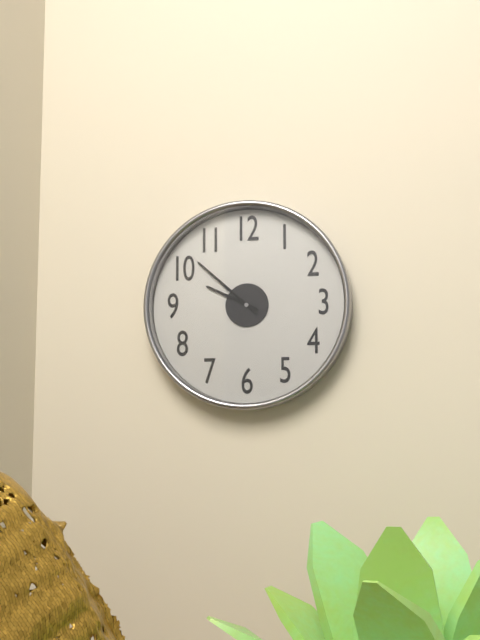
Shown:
h=9 m=52
